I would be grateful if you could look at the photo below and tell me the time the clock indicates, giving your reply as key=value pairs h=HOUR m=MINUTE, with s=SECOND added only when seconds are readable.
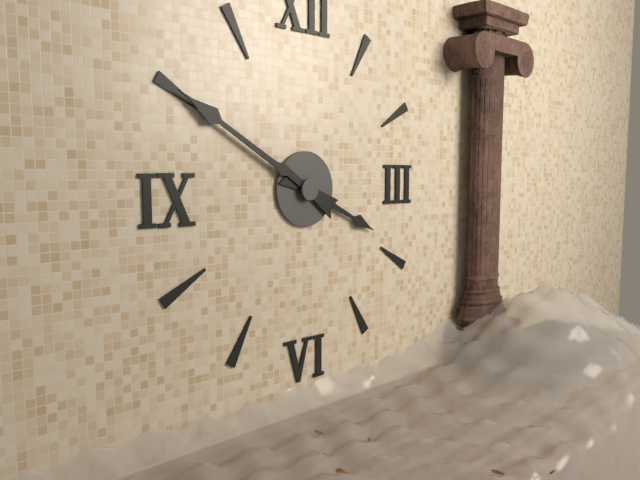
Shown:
h=3 m=50
